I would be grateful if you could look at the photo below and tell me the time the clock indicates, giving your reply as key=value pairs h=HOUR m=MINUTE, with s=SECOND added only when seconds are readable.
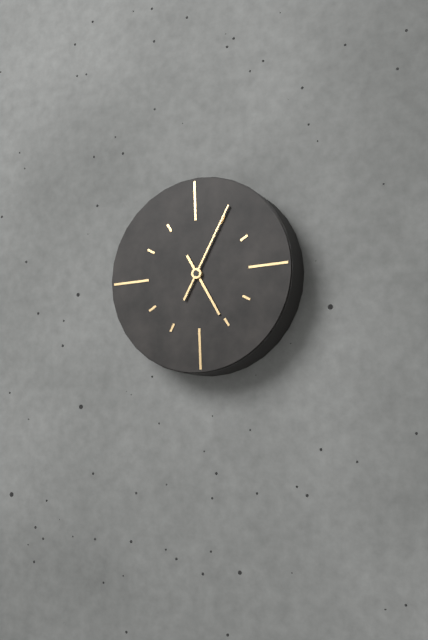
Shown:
h=5 m=5
